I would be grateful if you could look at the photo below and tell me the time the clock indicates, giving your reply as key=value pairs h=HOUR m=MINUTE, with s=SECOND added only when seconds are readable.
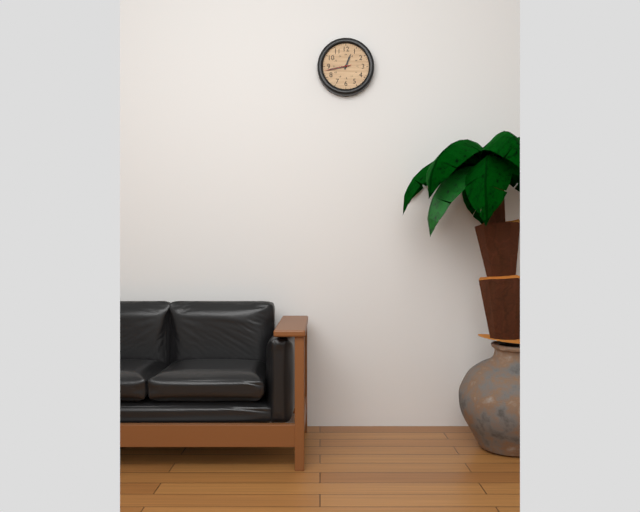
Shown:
h=12 m=43
